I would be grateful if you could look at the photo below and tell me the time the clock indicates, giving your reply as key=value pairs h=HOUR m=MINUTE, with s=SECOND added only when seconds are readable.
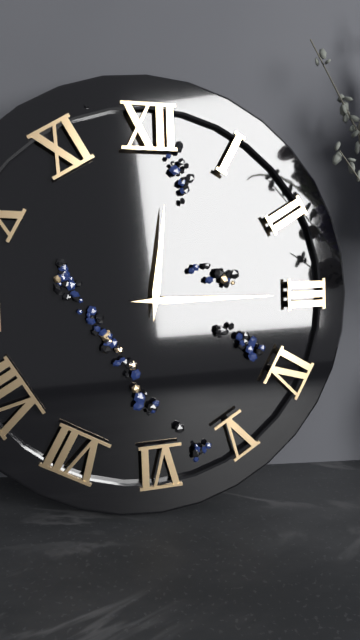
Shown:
h=12 m=15
